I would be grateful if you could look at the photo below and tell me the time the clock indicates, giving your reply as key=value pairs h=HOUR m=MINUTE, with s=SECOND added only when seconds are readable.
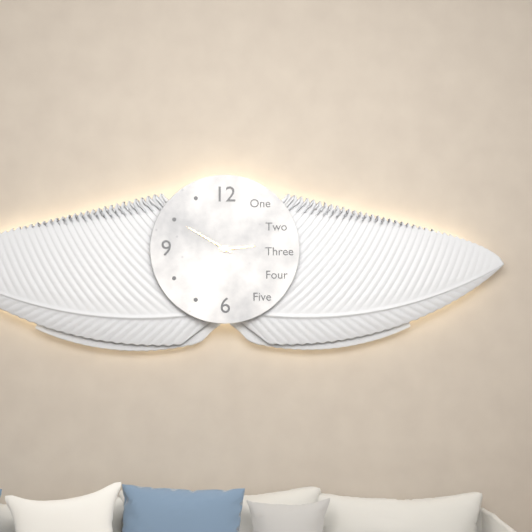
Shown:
h=2 m=50
